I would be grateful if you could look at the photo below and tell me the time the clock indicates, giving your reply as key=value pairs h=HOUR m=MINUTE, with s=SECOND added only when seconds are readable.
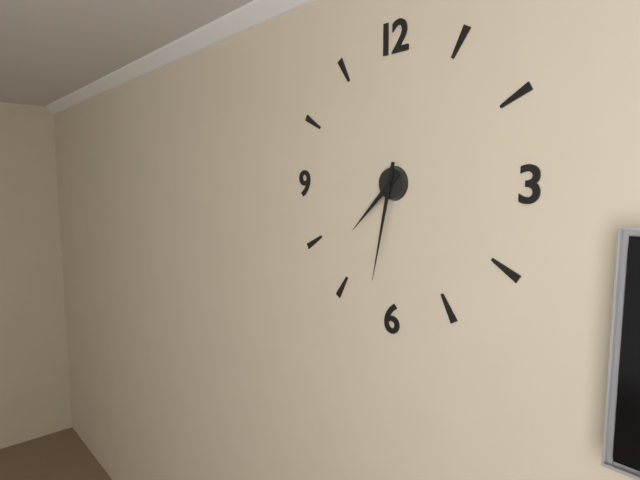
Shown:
h=7 m=32
